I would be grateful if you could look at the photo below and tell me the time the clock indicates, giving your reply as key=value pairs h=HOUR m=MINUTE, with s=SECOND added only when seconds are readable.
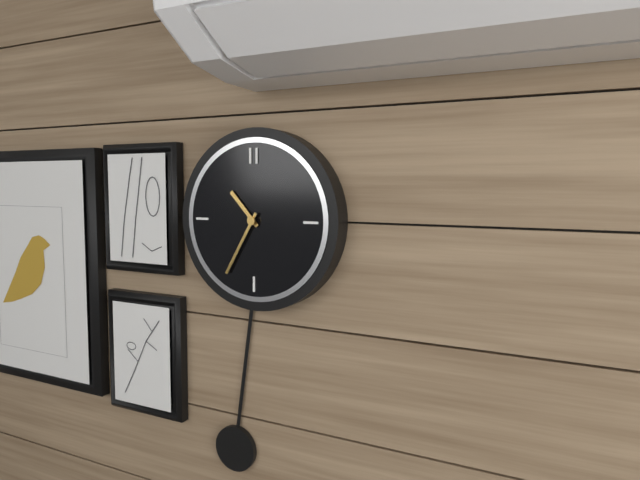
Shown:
h=10 m=35
